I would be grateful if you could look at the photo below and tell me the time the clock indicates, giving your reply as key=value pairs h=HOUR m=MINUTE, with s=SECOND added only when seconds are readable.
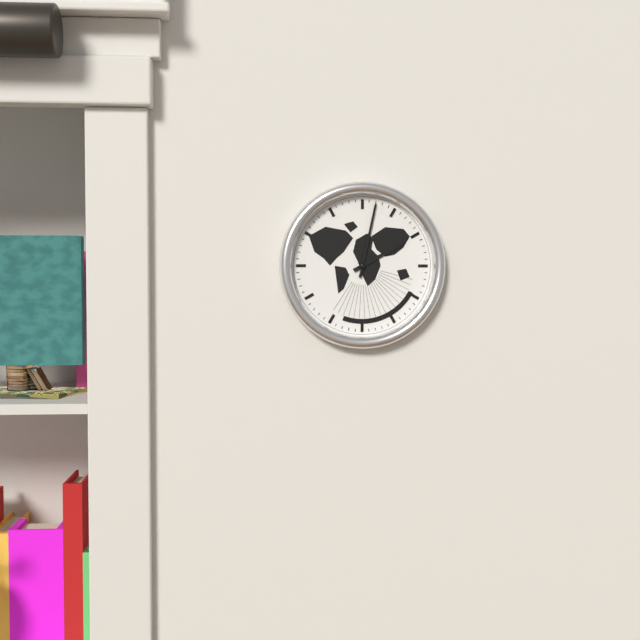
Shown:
h=2 m=2
